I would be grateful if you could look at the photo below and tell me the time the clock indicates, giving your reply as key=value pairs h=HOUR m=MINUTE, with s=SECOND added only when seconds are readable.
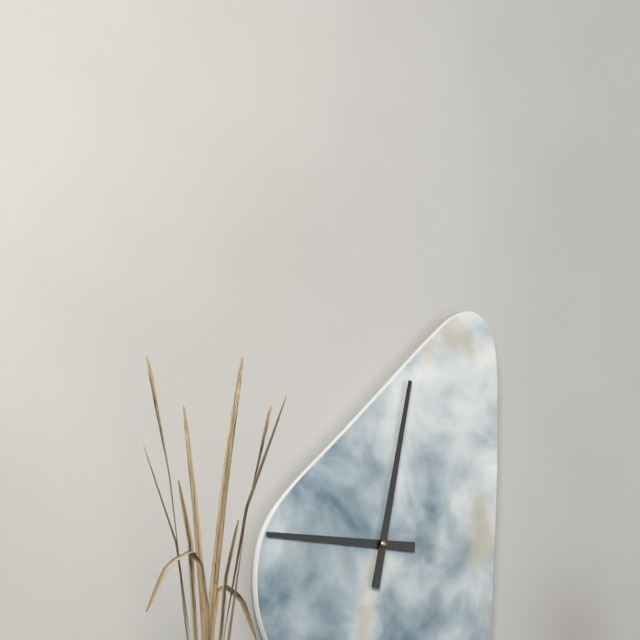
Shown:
h=9 m=2
